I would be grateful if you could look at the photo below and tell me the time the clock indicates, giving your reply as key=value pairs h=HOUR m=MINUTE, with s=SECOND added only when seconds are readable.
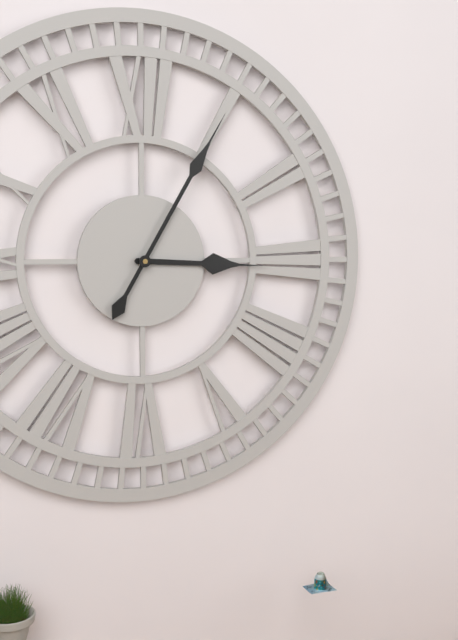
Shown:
h=3 m=5
